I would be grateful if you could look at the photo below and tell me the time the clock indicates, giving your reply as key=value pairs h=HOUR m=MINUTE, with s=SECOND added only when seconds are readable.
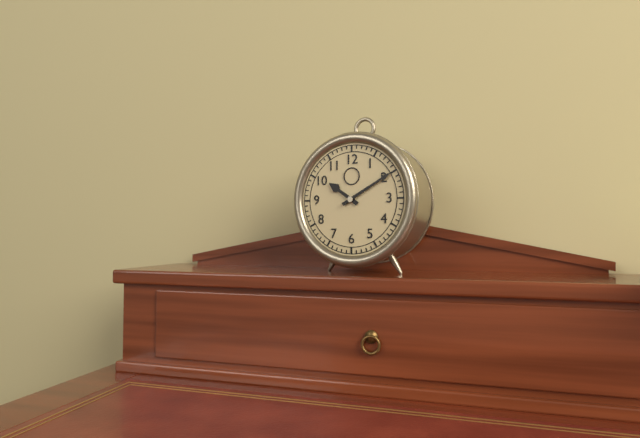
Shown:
h=10 m=10
